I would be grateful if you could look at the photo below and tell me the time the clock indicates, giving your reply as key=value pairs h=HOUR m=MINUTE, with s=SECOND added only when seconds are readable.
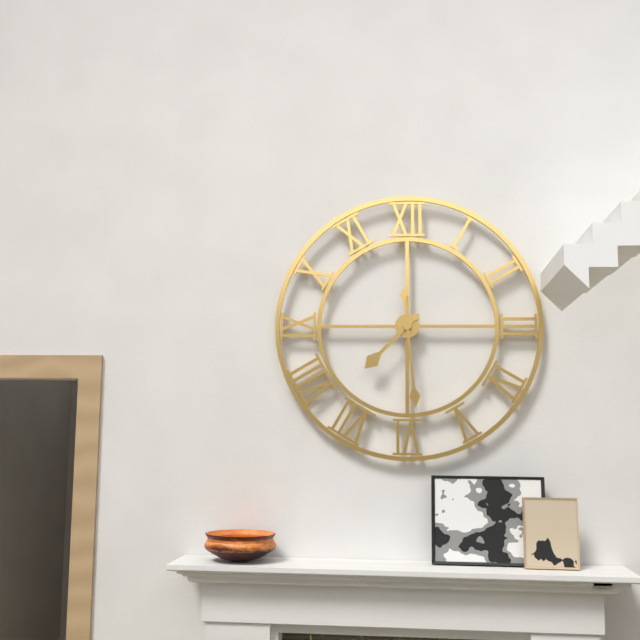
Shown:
h=7 m=29
